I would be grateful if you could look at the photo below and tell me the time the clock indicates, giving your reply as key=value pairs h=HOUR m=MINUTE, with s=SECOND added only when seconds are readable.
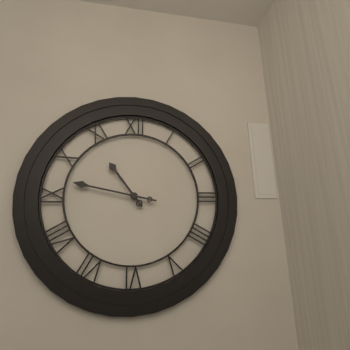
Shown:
h=10 m=47
